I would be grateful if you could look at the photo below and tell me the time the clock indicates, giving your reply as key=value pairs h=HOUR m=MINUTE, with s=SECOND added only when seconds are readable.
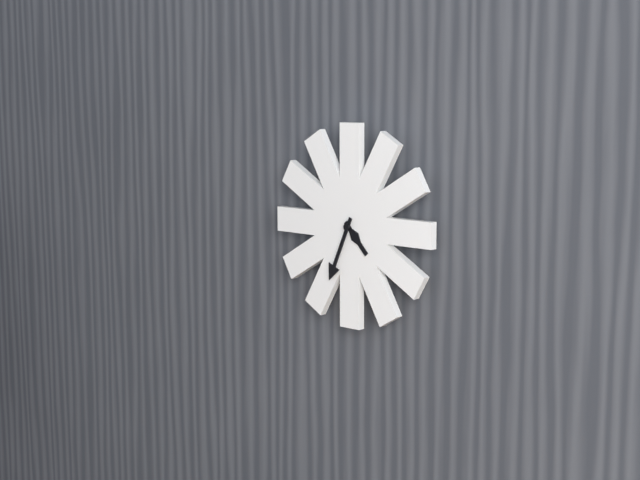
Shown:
h=4 m=34
